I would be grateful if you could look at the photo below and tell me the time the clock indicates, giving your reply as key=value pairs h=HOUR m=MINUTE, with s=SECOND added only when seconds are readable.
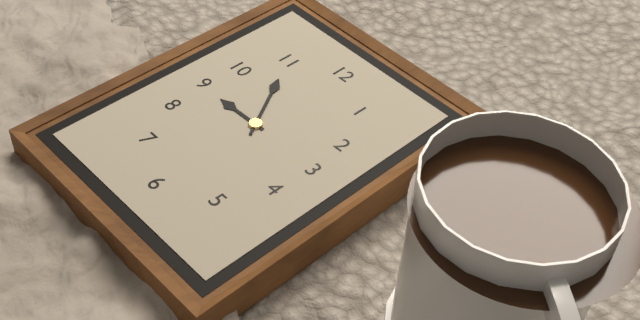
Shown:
h=8 m=55
